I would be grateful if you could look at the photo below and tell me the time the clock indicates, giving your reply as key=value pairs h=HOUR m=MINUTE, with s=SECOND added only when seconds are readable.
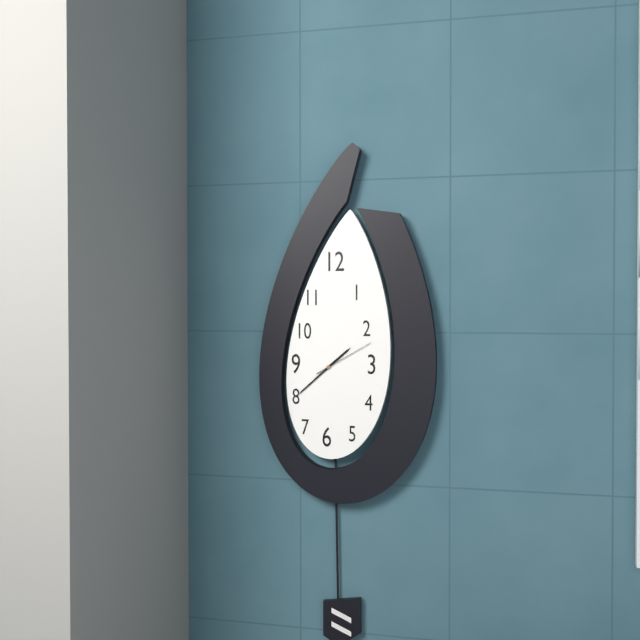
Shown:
h=1 m=38 s=10
